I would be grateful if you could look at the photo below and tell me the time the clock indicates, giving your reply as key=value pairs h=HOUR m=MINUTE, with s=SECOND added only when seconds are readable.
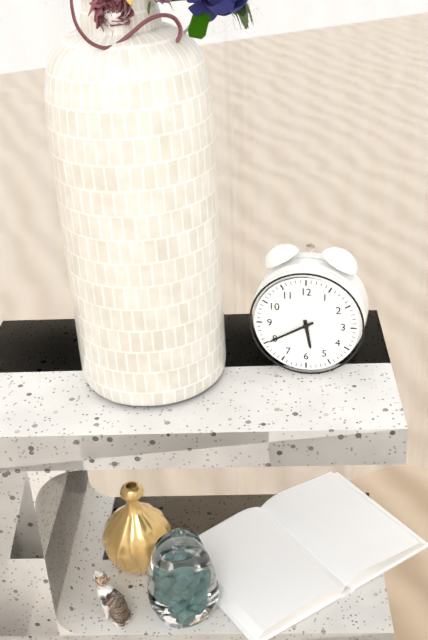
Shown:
h=5 m=40
